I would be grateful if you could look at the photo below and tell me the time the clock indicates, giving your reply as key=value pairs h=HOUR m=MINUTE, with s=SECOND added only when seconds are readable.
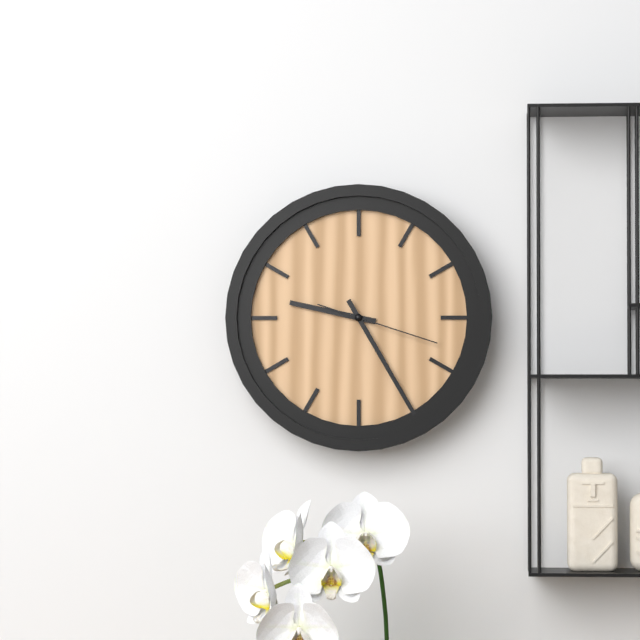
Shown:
h=9 m=25 s=18
